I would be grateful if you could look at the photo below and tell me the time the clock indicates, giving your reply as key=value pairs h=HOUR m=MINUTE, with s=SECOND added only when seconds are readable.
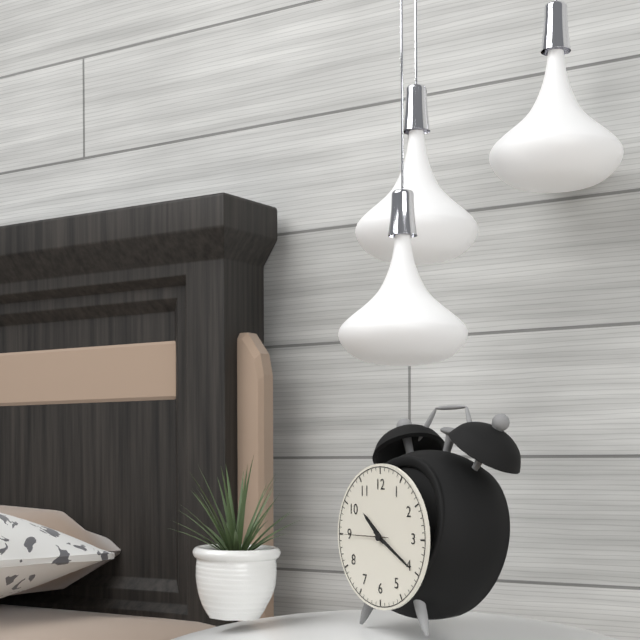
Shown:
h=10 m=20
